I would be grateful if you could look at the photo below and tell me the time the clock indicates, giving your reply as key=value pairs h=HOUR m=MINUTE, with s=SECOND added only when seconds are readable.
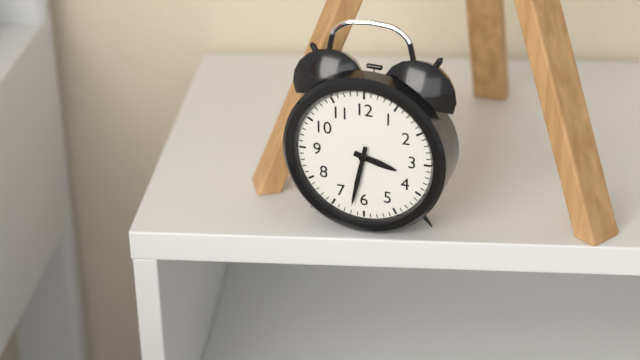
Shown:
h=3 m=32
